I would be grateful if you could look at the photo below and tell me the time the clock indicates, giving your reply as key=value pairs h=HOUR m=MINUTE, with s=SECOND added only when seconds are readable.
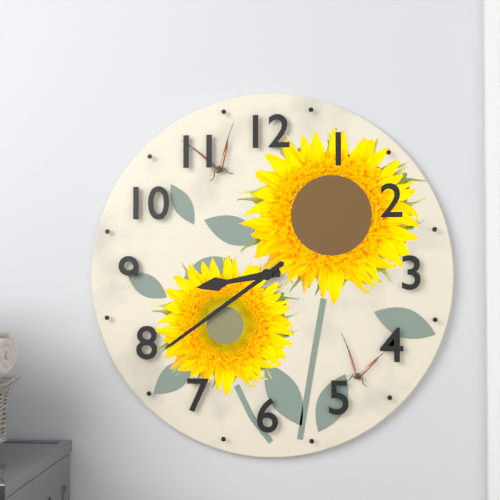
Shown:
h=8 m=39
